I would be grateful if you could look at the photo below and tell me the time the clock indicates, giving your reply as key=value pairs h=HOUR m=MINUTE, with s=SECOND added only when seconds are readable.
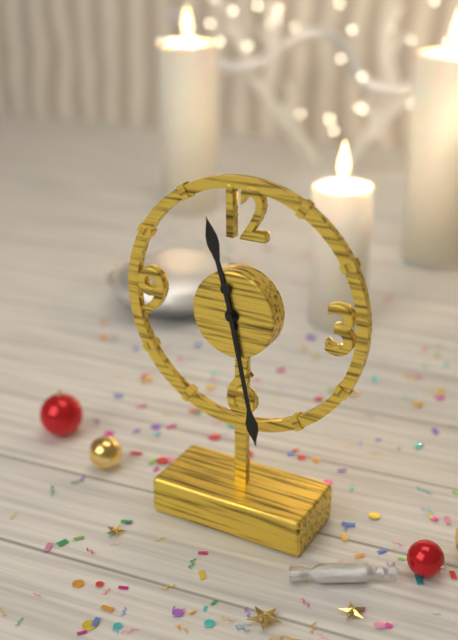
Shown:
h=11 m=28
